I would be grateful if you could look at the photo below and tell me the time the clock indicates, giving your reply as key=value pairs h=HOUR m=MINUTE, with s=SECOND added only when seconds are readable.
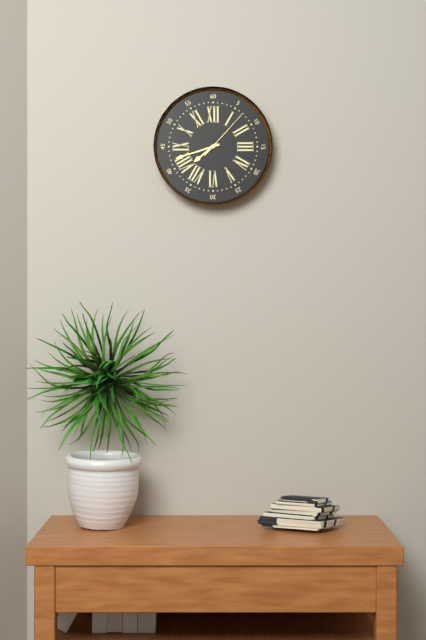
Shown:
h=7 m=42 s=7
